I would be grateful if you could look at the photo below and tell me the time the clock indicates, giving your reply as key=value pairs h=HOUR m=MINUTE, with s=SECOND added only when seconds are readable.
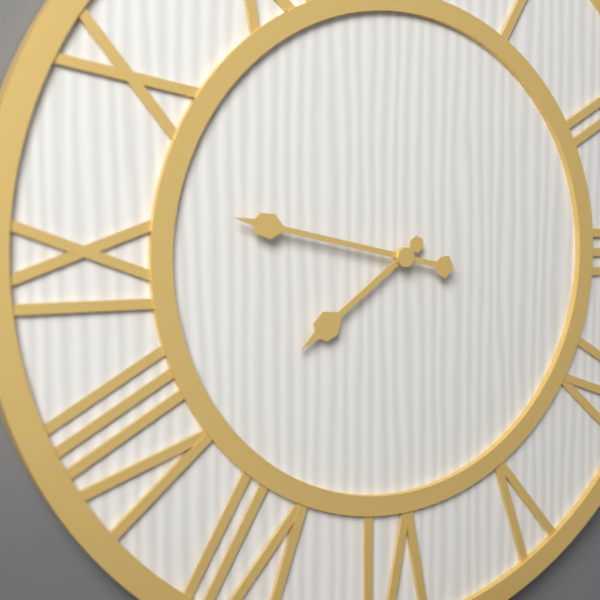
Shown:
h=7 m=47
